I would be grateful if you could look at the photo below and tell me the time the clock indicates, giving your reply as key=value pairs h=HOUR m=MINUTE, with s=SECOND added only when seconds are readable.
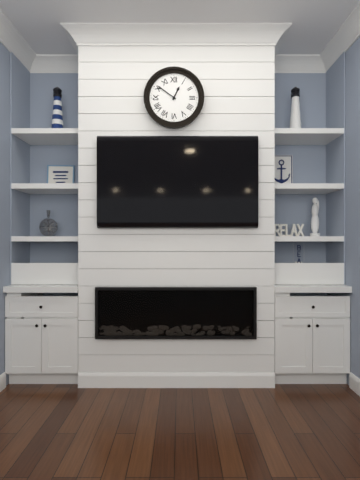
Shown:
h=12 m=51
